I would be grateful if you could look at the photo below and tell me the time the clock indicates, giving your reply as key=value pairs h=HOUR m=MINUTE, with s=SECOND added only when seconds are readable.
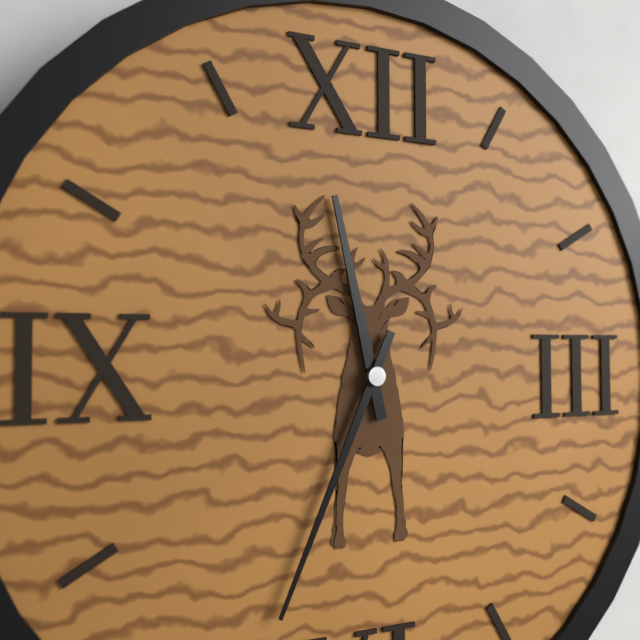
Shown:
h=11 m=34
